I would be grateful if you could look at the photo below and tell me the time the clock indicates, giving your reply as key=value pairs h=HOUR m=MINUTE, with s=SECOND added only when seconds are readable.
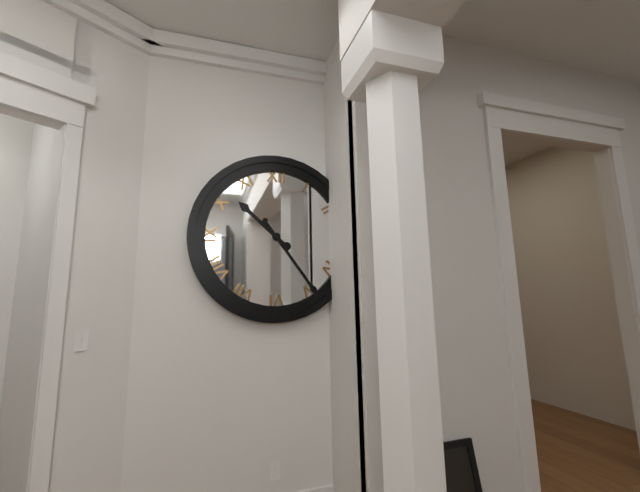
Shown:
h=10 m=24
